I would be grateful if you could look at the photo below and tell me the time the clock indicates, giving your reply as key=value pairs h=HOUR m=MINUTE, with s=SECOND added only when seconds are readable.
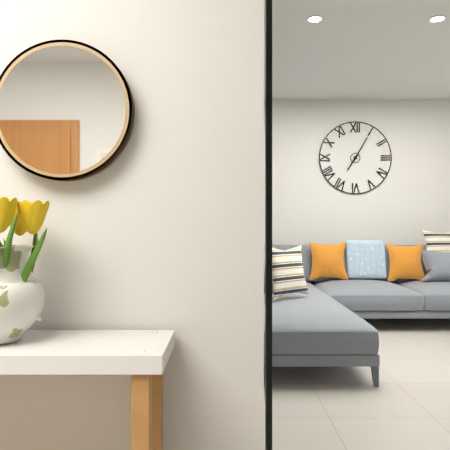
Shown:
h=7 m=5
